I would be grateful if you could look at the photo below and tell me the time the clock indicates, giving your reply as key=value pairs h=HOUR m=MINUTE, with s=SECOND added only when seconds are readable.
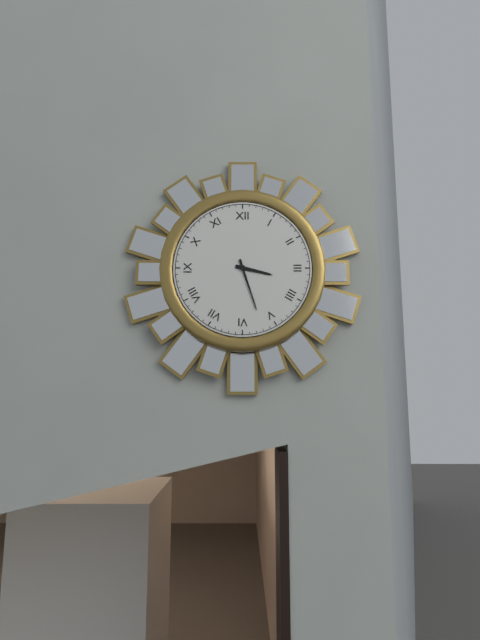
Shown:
h=3 m=27
